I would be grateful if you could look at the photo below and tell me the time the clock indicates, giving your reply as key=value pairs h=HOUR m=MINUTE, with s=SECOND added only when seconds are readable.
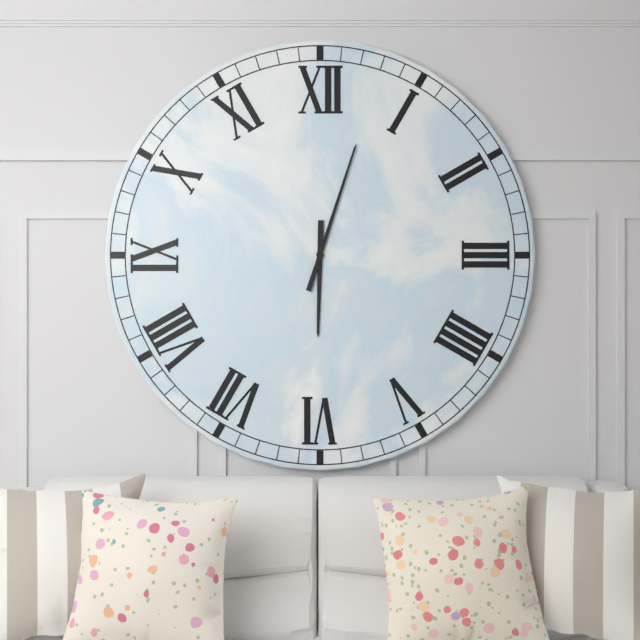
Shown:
h=6 m=3
